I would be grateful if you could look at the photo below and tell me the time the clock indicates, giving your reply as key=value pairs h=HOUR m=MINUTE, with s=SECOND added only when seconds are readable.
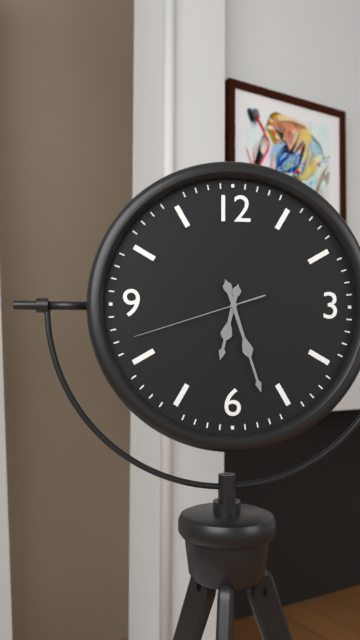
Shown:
h=6 m=27 s=42
